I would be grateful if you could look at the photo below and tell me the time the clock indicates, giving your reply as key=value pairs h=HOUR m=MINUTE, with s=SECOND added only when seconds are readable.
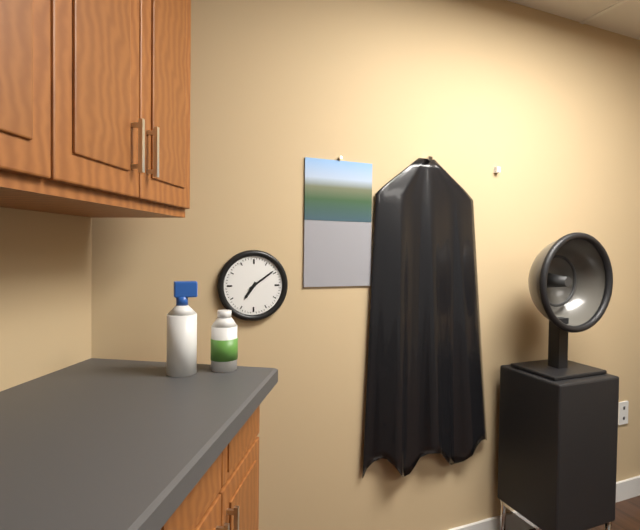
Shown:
h=7 m=9
